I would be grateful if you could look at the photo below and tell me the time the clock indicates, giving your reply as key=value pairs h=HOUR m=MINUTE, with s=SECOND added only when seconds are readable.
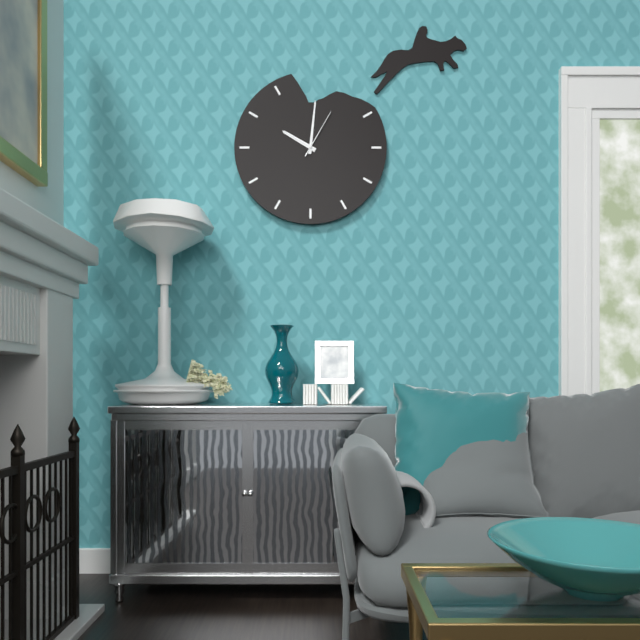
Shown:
h=10 m=1 s=5
